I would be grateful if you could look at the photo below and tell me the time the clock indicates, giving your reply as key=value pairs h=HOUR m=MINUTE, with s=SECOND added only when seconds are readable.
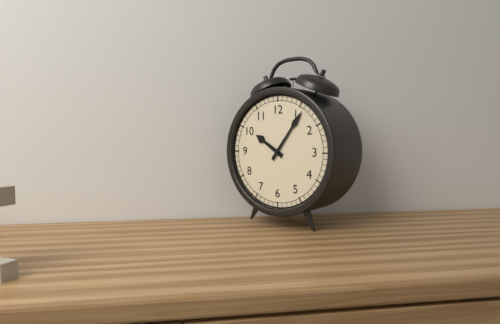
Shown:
h=10 m=6
